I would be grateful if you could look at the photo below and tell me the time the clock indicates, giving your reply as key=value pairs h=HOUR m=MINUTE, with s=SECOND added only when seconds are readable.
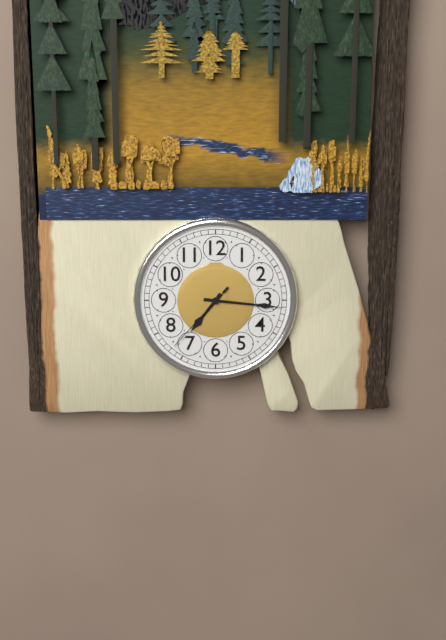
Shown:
h=7 m=16 s=37
